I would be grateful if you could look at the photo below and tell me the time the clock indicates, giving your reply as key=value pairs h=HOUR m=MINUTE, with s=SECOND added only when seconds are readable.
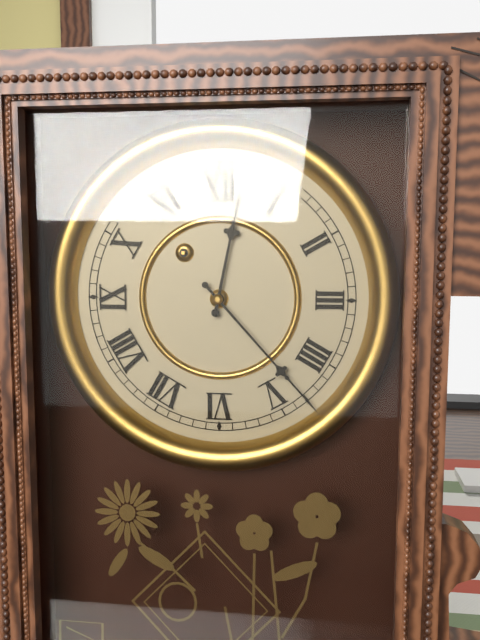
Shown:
h=12 m=23
